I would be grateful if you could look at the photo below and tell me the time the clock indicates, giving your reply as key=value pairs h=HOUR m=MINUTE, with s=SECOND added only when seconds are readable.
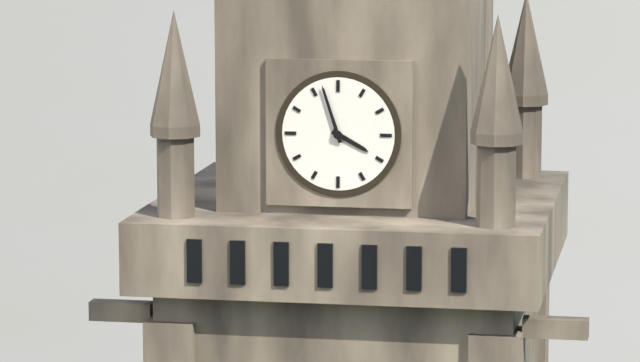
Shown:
h=3 m=57
